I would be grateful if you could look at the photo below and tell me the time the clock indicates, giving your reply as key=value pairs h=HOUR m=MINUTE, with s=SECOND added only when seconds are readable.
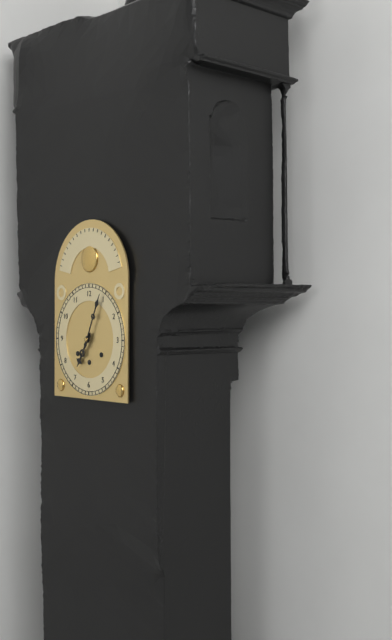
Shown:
h=7 m=4
